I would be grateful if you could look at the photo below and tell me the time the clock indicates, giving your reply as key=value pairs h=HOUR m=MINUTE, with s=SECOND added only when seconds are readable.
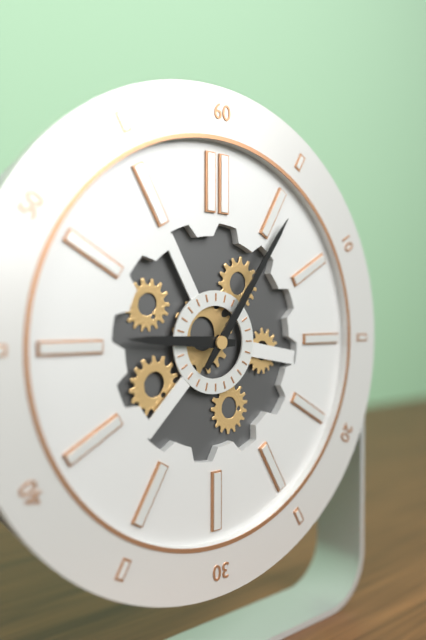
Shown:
h=9 m=6
